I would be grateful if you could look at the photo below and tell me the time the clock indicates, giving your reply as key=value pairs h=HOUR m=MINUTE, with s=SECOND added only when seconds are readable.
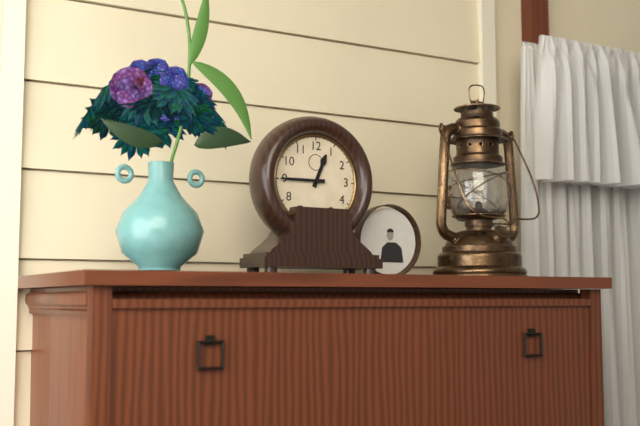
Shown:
h=12 m=45
